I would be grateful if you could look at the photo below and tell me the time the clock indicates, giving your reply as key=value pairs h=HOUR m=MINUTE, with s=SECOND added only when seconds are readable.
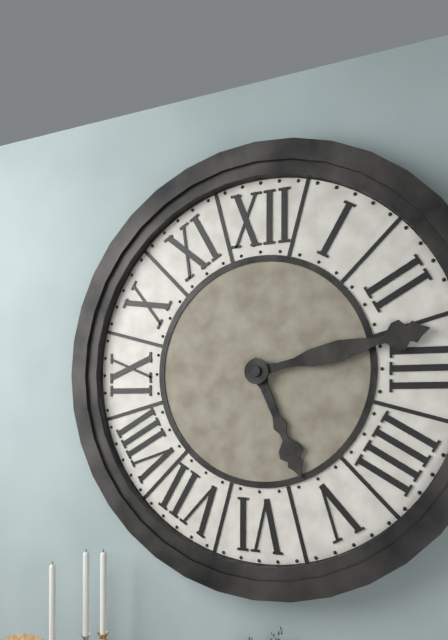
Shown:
h=5 m=13
